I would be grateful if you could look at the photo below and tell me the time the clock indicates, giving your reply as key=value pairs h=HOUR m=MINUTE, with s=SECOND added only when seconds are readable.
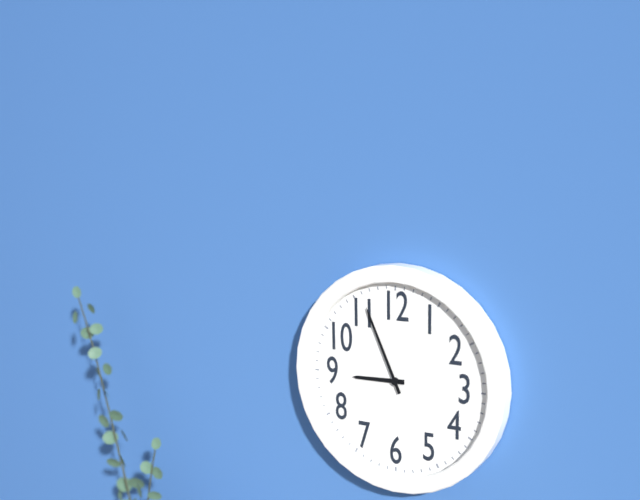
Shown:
h=8 m=56
